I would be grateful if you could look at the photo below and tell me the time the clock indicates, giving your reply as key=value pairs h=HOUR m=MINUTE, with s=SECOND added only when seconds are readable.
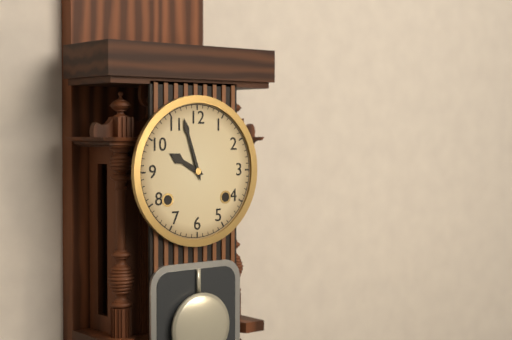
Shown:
h=9 m=57
